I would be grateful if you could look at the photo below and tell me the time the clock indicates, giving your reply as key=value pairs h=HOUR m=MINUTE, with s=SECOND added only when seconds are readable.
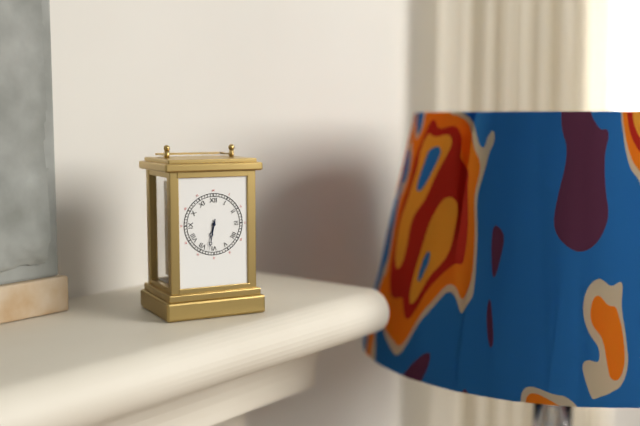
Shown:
h=6 m=32
